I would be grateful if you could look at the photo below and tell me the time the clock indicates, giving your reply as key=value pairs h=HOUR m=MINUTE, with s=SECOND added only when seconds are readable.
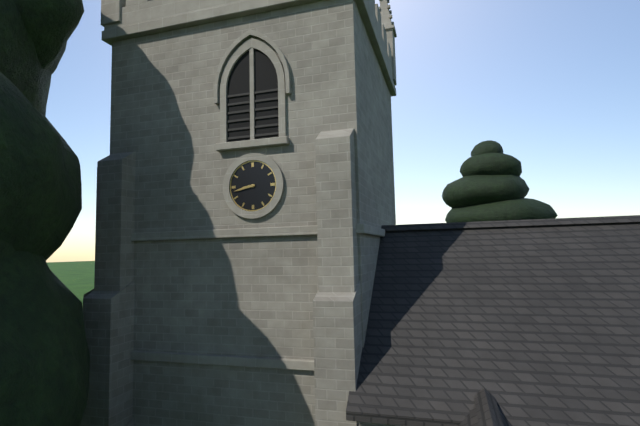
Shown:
h=8 m=43
